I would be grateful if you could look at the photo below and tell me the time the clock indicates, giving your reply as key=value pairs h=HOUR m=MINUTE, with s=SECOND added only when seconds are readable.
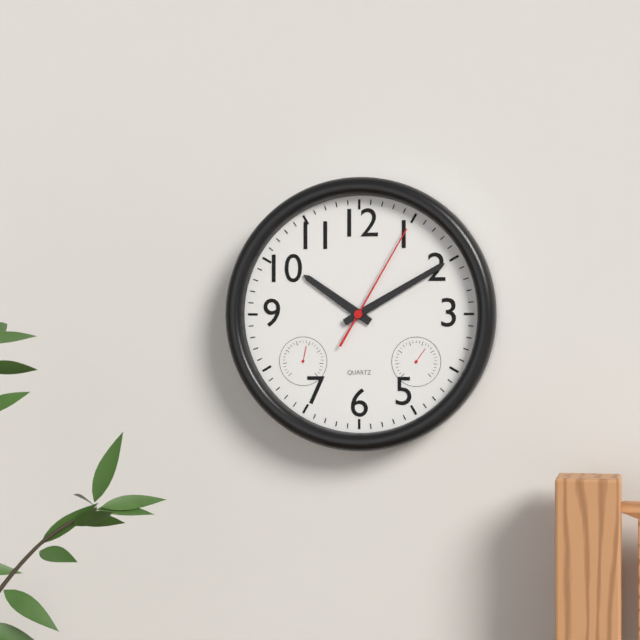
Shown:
h=10 m=10 s=5
